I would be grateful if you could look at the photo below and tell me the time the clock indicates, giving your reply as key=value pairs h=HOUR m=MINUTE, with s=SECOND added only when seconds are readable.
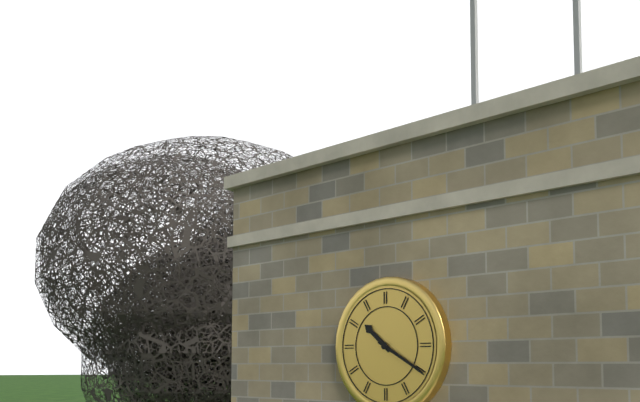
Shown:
h=10 m=20
